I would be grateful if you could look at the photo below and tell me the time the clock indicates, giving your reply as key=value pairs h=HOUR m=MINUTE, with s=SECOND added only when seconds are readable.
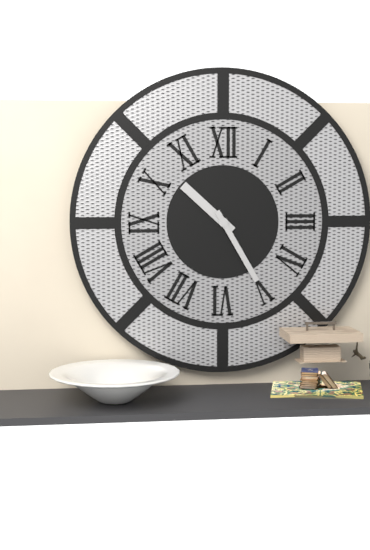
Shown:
h=10 m=25
